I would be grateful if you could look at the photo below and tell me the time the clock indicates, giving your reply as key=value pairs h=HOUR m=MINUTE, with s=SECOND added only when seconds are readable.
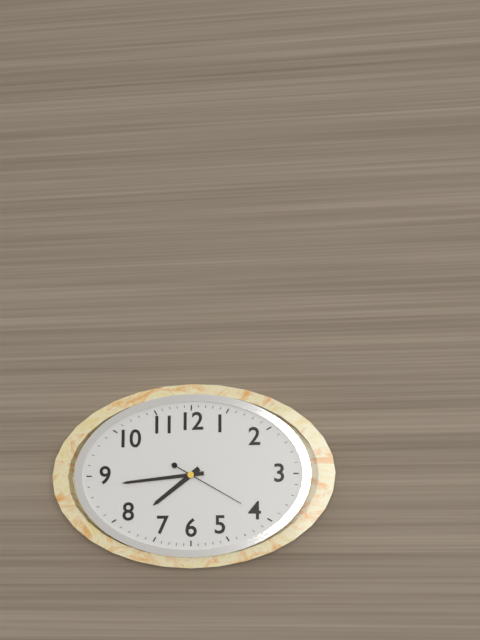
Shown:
h=7 m=44 s=20
